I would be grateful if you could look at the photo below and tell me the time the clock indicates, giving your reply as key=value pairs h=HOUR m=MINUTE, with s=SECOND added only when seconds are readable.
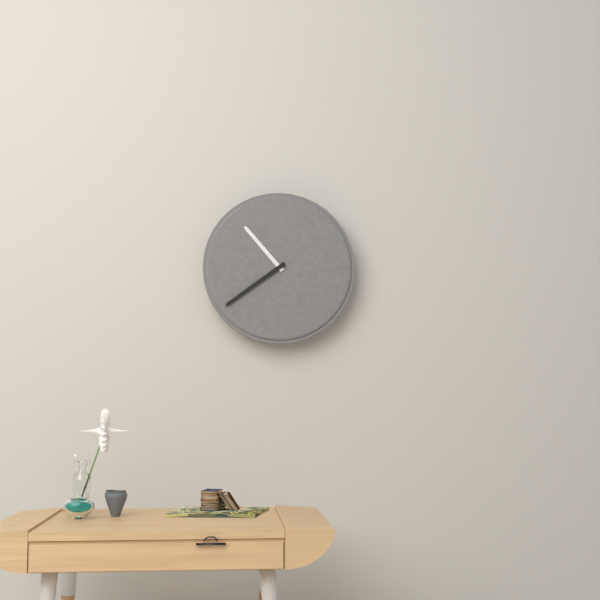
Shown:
h=10 m=39
